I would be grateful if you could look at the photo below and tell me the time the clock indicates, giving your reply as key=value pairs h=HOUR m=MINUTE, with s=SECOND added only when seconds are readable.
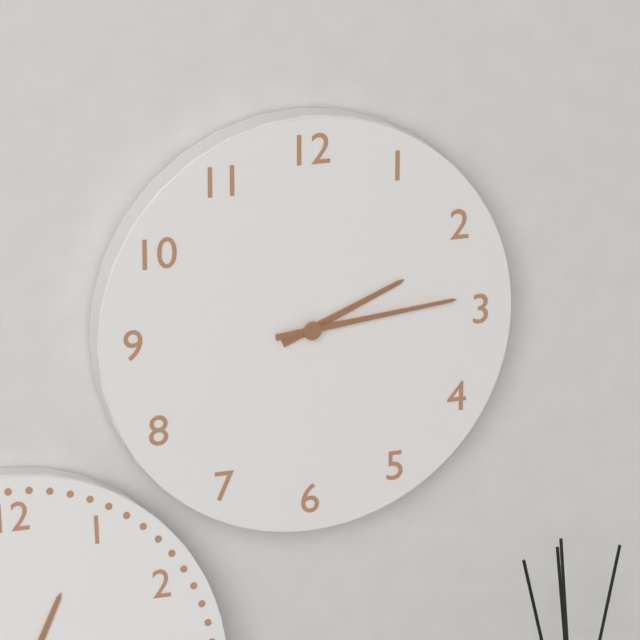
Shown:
h=2 m=14
